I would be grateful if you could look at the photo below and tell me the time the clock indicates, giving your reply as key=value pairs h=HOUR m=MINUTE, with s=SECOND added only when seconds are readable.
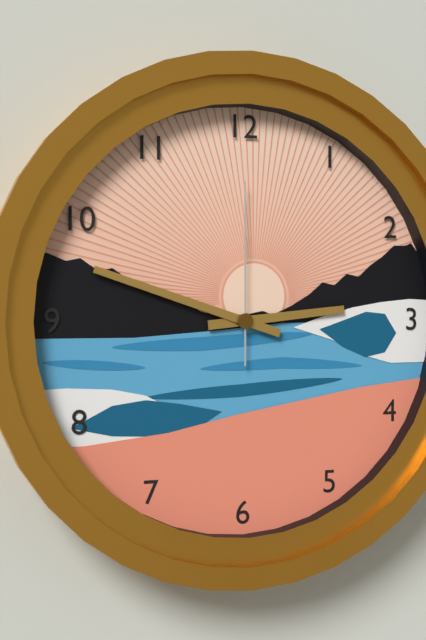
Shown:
h=2 m=48 s=0
